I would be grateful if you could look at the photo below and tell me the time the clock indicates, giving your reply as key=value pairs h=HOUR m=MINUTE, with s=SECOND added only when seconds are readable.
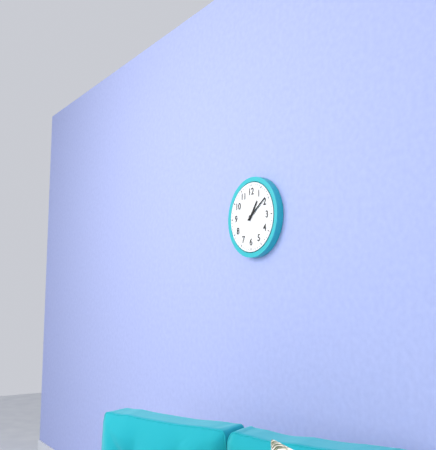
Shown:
h=1 m=9
